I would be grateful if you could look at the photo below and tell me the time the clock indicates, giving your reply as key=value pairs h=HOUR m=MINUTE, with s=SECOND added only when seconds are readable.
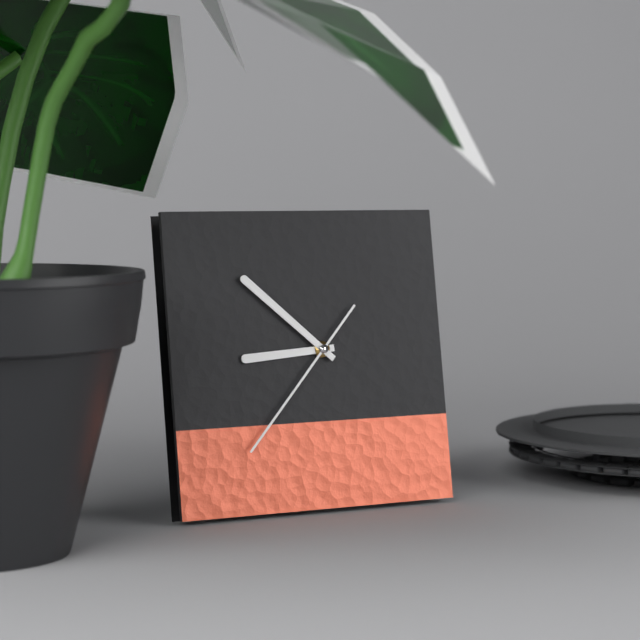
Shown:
h=8 m=52 s=37
